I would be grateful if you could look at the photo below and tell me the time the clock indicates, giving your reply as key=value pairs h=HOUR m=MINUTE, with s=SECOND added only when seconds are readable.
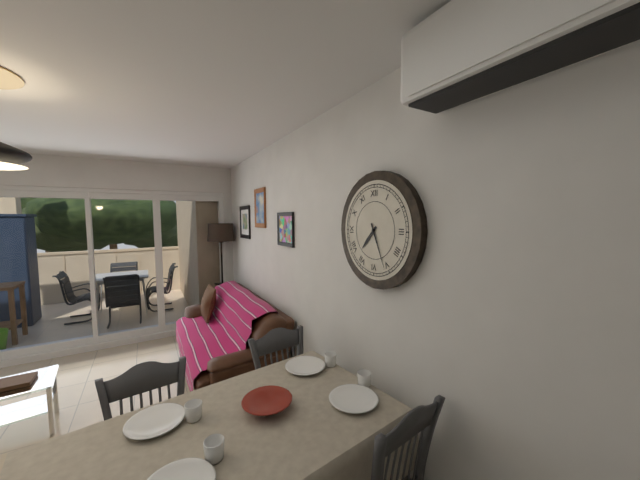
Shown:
h=7 m=26
